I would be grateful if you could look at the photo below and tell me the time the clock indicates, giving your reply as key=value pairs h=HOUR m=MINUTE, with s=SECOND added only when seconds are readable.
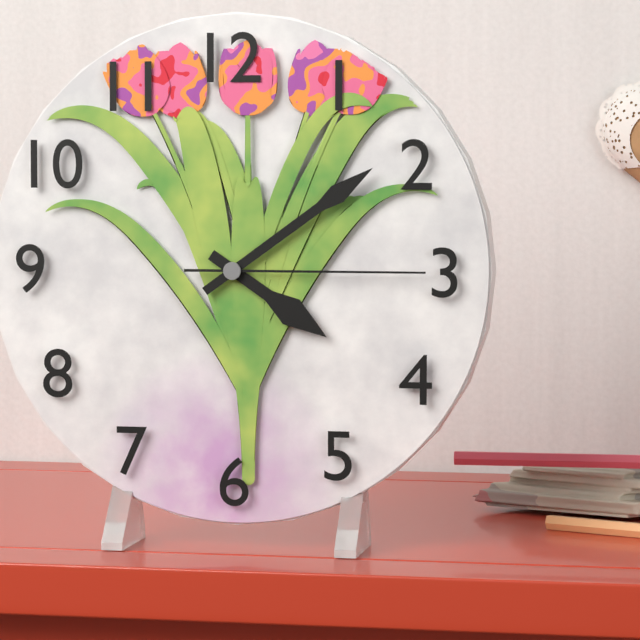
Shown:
h=4 m=9 s=15
